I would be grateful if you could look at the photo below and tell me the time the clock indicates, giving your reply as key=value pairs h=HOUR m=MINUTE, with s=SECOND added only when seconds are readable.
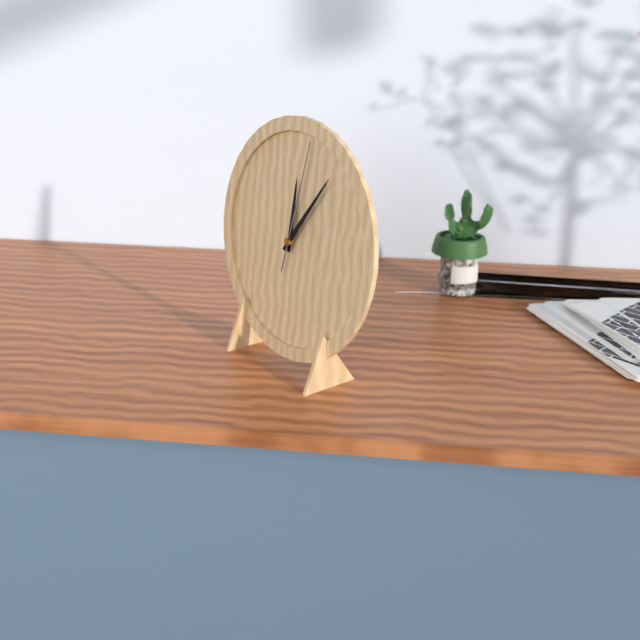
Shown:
h=12 m=6 s=2
